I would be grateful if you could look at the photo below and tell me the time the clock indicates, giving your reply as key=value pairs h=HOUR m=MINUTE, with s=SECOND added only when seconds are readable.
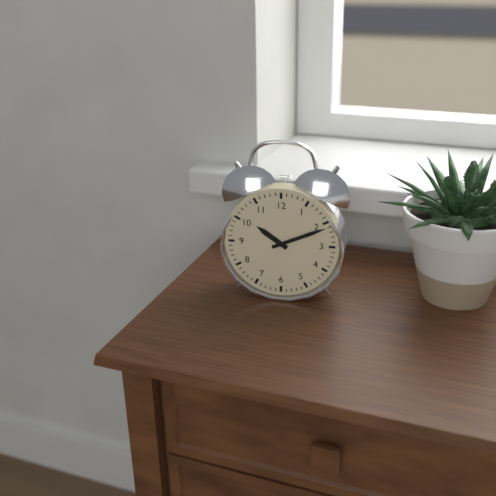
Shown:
h=10 m=11
